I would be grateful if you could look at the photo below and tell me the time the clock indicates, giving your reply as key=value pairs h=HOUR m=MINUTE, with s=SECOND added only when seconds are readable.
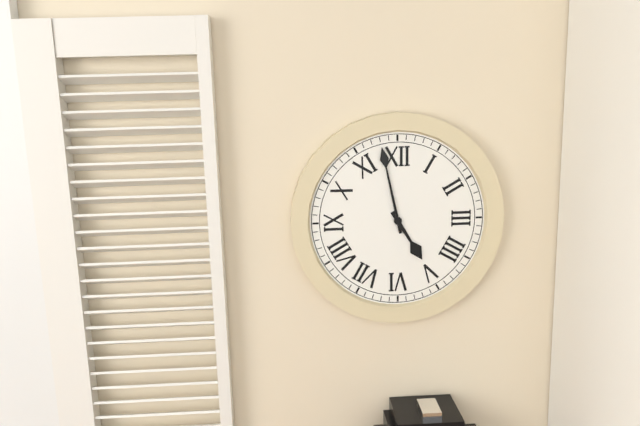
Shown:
h=4 m=58
